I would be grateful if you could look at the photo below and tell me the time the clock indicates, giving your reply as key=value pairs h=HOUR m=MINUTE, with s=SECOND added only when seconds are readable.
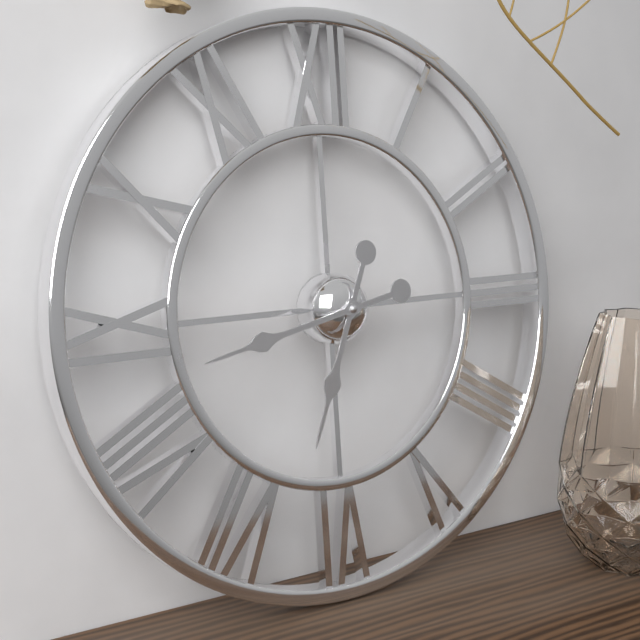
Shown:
h=6 m=43
